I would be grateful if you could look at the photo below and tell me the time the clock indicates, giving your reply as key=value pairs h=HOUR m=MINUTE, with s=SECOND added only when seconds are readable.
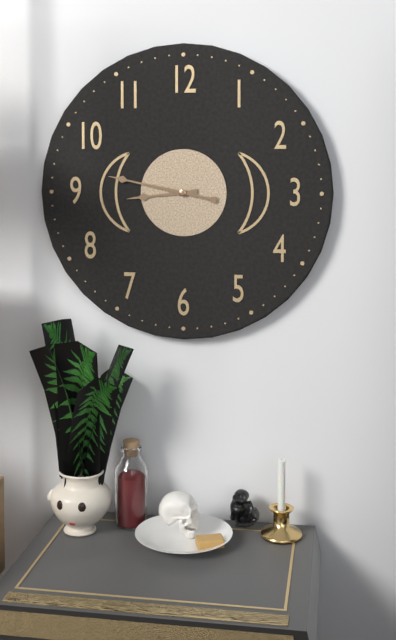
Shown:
h=8 m=47
